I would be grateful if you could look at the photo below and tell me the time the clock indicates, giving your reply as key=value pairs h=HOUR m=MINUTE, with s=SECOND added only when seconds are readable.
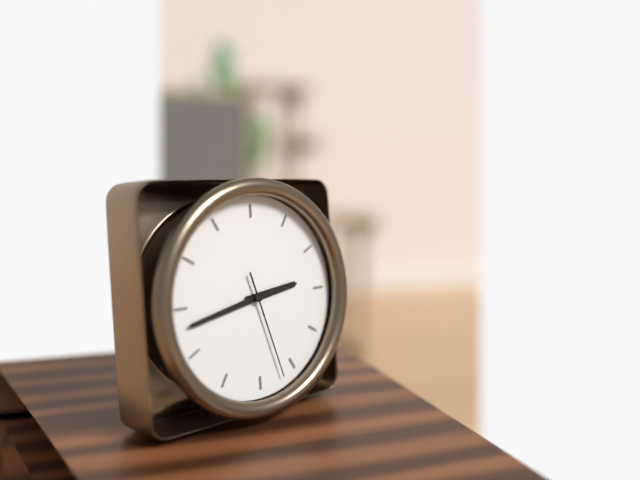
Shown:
h=2 m=43 s=27
